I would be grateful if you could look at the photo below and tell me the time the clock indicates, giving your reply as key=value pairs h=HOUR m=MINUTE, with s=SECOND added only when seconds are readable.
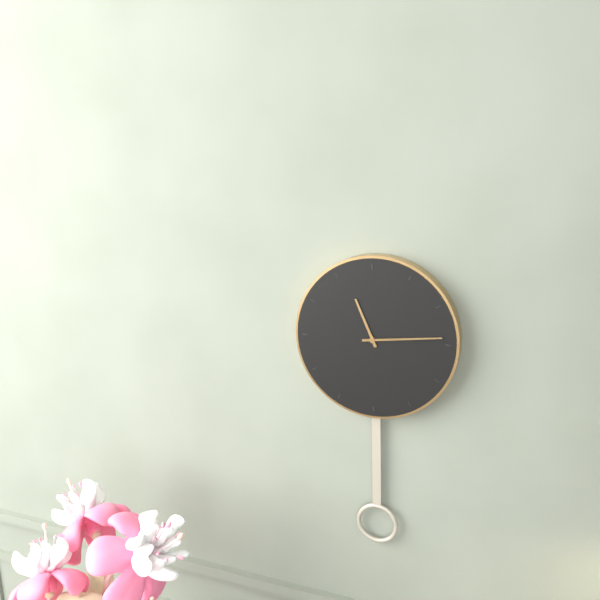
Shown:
h=11 m=14
